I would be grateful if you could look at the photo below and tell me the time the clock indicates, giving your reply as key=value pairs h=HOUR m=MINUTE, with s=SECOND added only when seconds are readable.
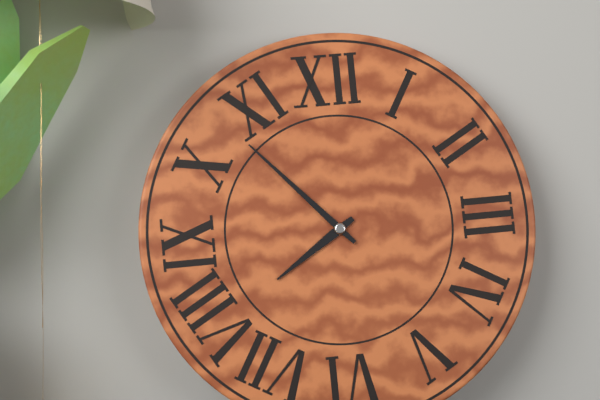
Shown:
h=7 m=53
